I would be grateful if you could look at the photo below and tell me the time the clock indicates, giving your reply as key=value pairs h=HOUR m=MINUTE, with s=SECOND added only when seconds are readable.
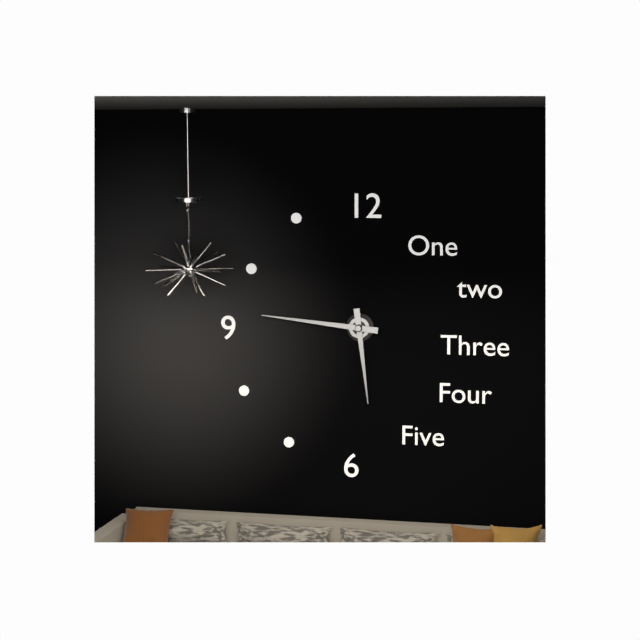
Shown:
h=5 m=46
